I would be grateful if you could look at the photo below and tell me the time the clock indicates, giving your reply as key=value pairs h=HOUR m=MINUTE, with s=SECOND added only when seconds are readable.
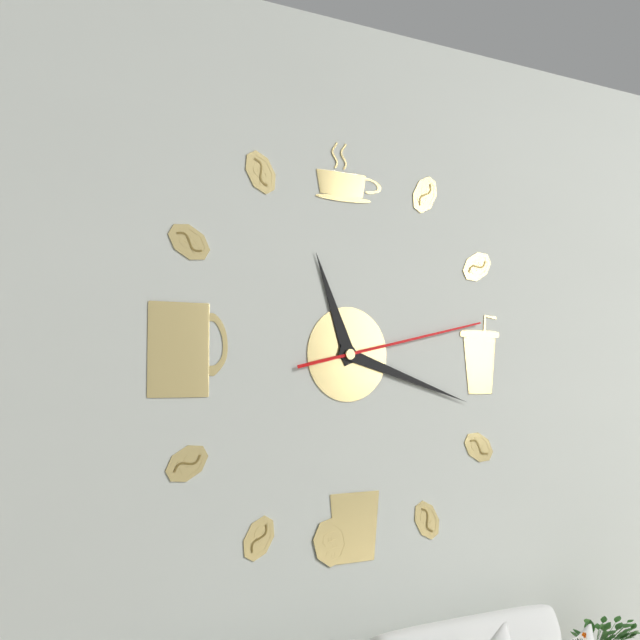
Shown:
h=11 m=18 s=13
